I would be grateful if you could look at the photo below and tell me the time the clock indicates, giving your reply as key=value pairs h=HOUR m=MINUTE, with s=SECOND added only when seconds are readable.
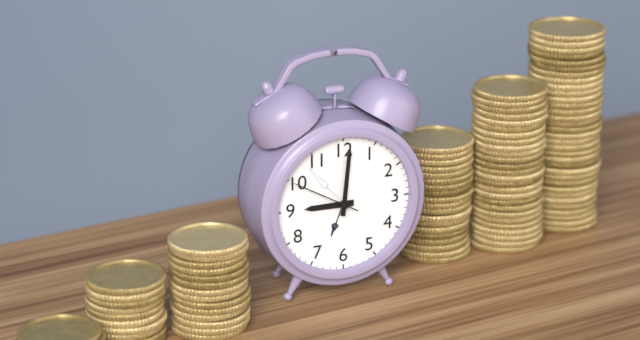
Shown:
h=9 m=1 s=50
